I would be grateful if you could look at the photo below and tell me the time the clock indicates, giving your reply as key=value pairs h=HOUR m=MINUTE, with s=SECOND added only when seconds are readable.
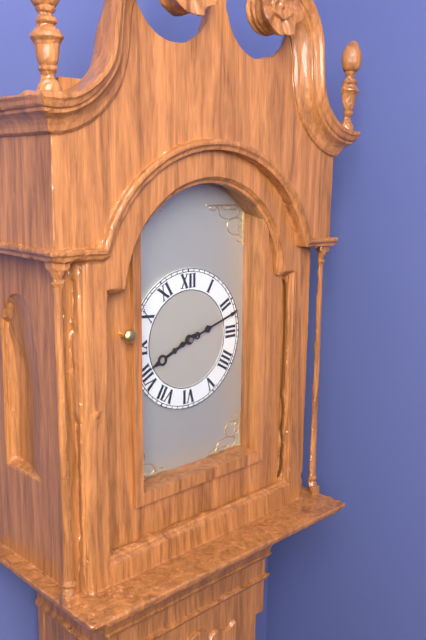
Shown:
h=8 m=12
